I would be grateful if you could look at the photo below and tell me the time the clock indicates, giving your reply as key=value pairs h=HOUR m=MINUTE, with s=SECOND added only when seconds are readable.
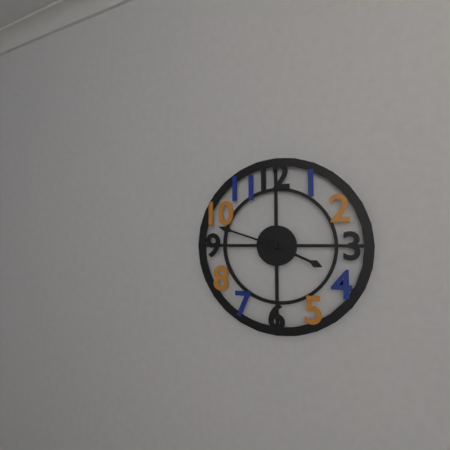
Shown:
h=3 m=48
